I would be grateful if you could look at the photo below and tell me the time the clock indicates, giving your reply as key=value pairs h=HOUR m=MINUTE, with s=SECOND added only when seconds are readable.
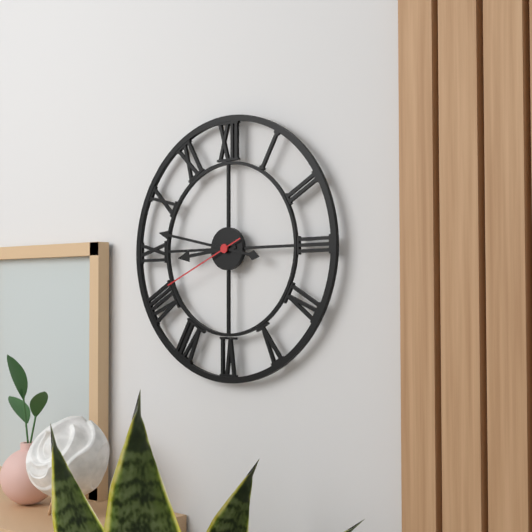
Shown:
h=8 m=47 s=41
